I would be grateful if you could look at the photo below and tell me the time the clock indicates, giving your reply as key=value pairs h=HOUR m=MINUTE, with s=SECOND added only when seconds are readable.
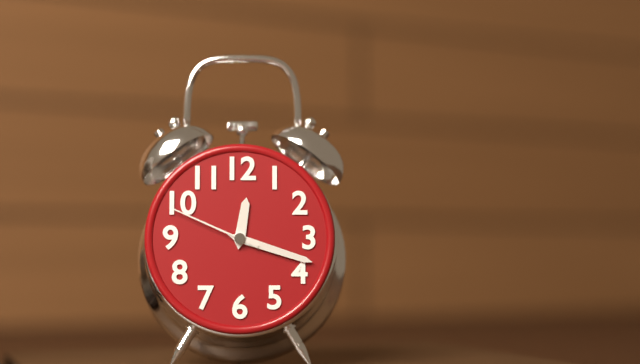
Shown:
h=12 m=18 s=49
